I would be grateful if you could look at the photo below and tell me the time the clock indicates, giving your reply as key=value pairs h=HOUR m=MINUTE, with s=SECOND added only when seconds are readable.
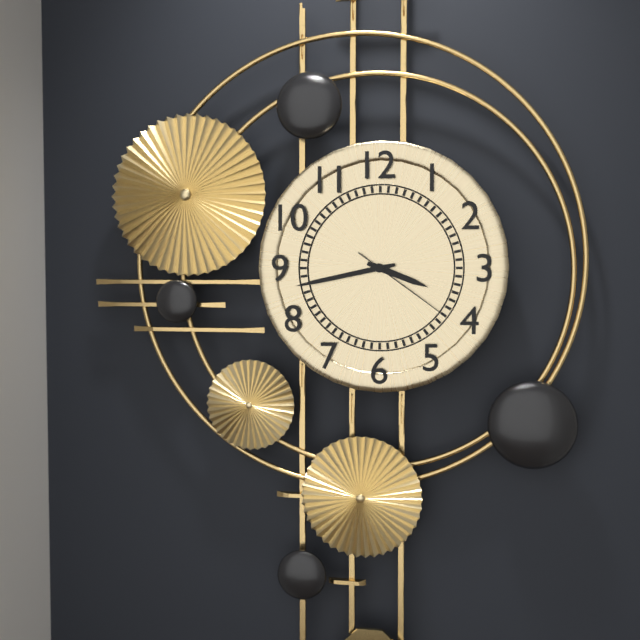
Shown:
h=3 m=43 s=21
